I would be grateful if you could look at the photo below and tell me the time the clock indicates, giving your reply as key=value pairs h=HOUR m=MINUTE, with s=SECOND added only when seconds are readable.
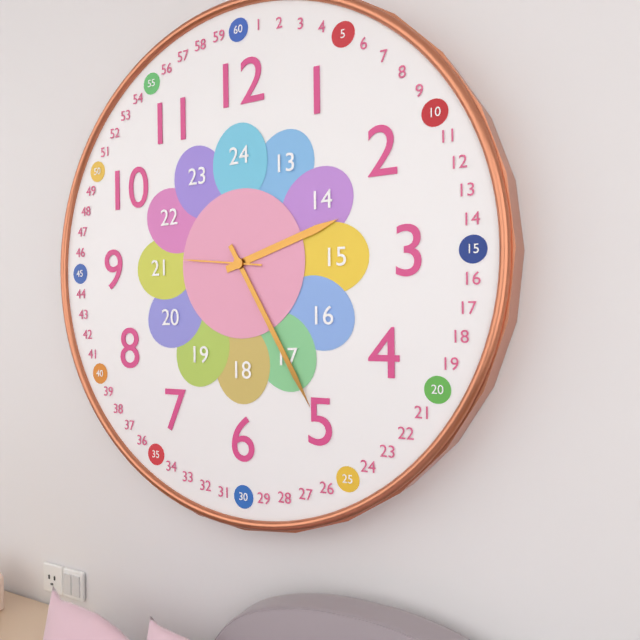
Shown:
h=2 m=25 s=46
